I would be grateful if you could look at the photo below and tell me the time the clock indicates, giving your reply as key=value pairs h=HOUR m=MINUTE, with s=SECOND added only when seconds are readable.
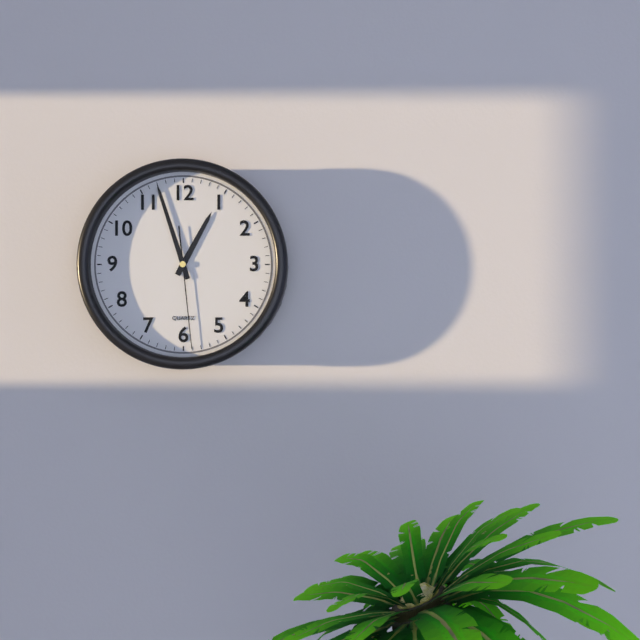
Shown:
h=12 m=57 s=29
